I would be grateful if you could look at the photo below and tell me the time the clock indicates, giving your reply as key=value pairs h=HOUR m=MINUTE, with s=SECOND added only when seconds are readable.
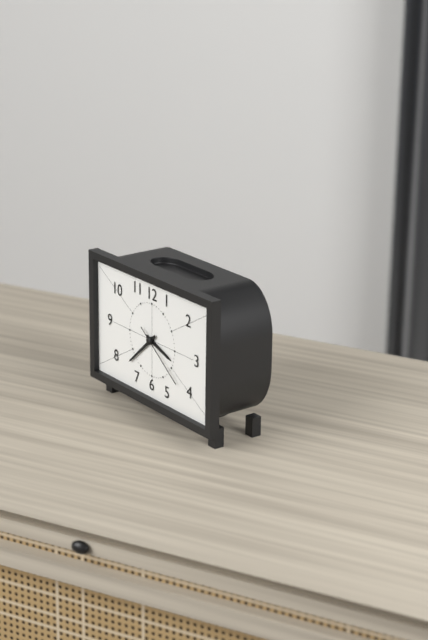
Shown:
h=3 m=38 s=21
